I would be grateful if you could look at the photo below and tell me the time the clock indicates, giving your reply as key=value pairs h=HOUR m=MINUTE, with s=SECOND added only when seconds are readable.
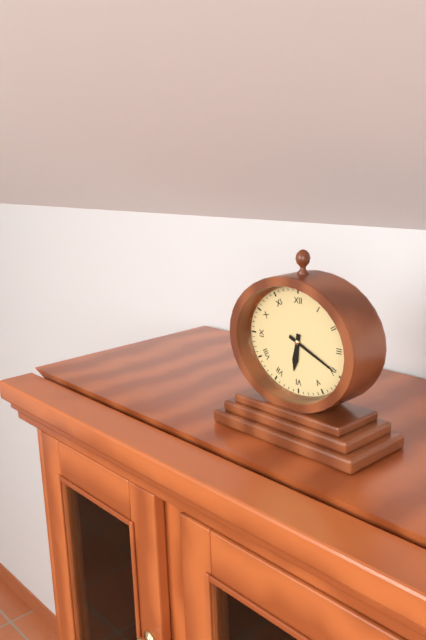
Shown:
h=6 m=19
